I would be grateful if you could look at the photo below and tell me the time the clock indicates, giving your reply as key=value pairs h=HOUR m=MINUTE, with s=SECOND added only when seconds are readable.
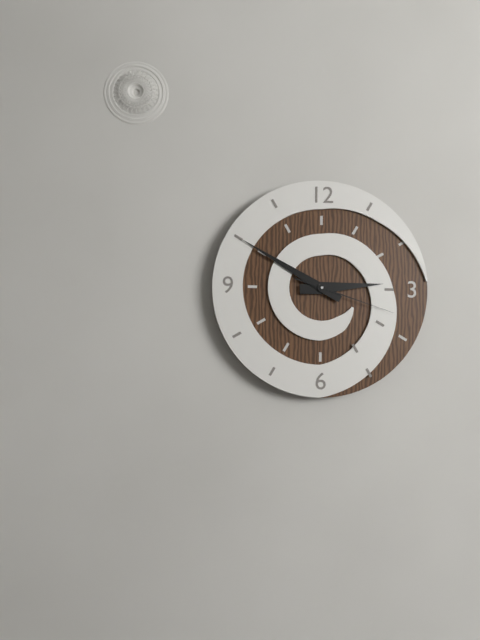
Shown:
h=2 m=50 s=18
